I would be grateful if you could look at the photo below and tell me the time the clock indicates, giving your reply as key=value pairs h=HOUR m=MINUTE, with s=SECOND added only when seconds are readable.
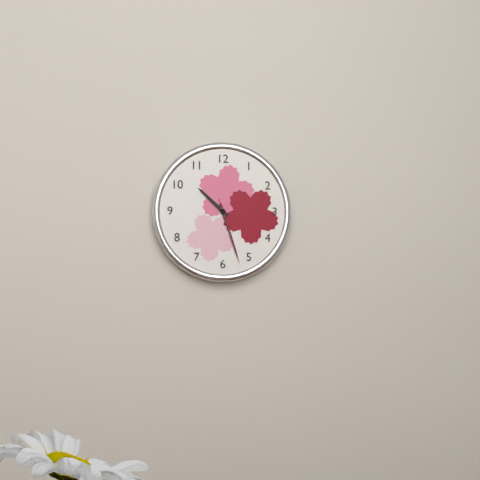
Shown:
h=10 m=27 s=27
